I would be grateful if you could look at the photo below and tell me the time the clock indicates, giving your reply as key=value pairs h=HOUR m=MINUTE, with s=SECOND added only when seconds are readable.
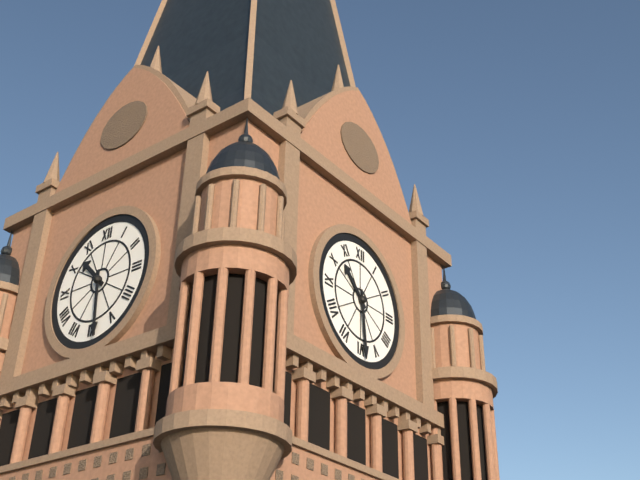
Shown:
h=10 m=29
